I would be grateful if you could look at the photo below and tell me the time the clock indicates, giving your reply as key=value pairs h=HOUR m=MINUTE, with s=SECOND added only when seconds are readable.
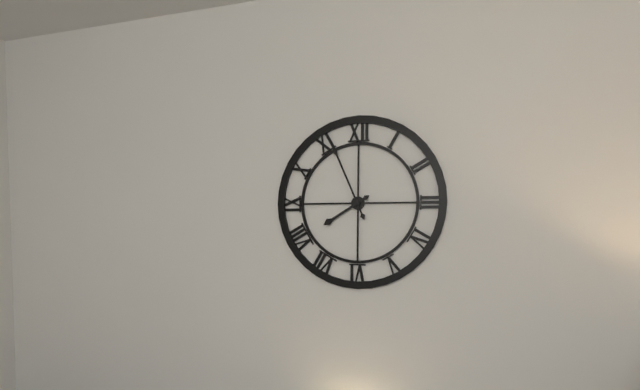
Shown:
h=7 m=56
